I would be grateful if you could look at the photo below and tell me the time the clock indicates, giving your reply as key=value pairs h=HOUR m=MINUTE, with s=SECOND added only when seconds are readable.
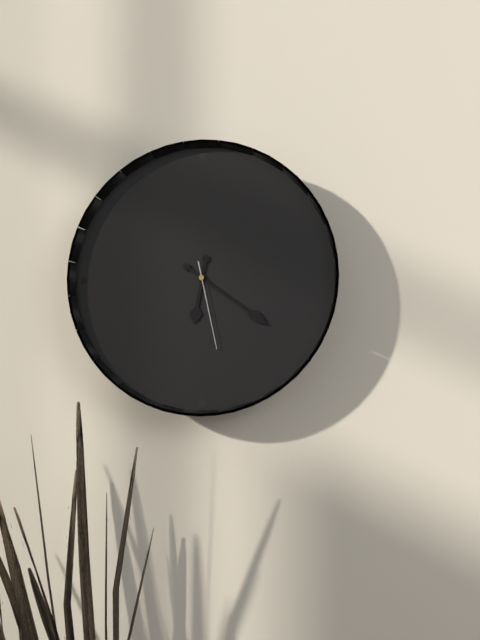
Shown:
h=6 m=21 s=28
